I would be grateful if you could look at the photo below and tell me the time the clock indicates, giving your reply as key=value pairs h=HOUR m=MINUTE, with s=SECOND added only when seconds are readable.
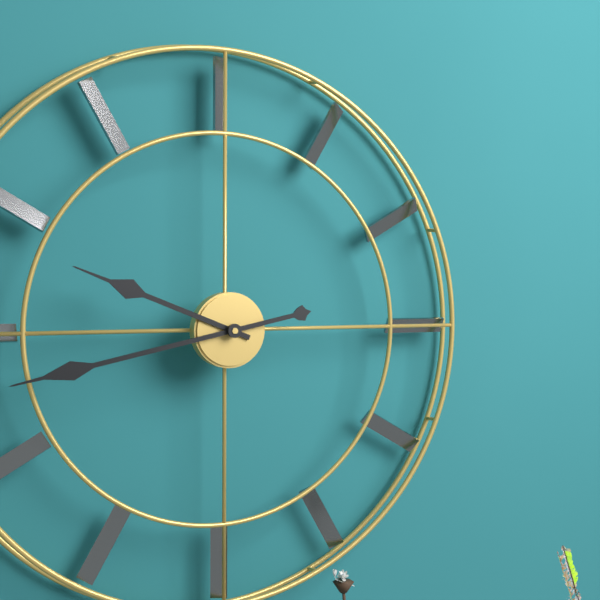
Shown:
h=9 m=43
